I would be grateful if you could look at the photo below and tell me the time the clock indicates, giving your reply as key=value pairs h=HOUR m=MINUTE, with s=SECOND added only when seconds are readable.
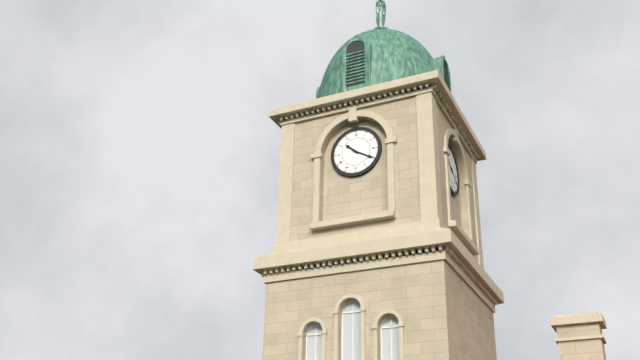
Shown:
h=10 m=20
